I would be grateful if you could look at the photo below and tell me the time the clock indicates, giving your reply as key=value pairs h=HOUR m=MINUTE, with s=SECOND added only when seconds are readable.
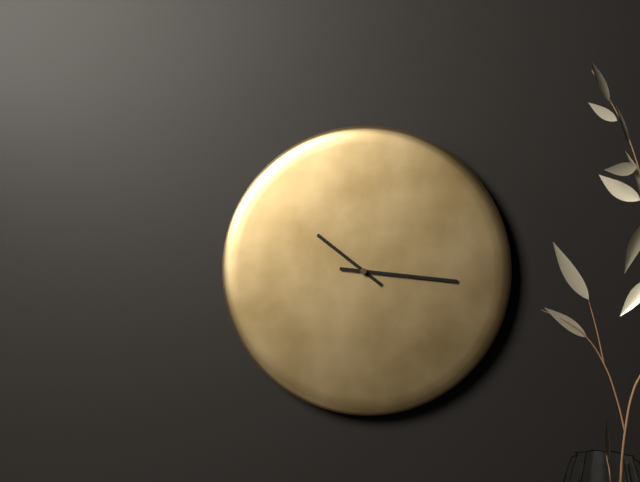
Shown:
h=10 m=16
